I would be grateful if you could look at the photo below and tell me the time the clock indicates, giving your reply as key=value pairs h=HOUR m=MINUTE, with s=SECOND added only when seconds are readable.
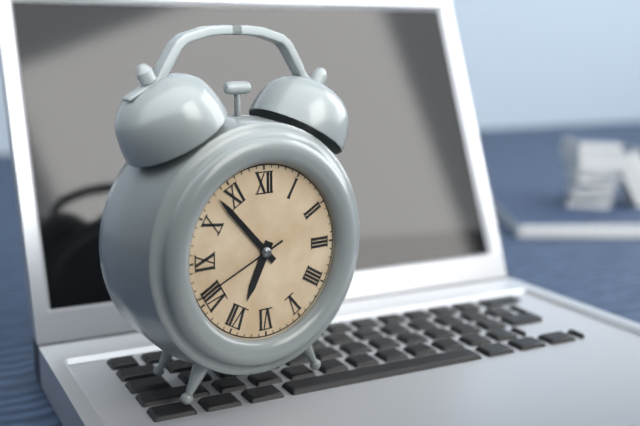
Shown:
h=6 m=53 s=41
